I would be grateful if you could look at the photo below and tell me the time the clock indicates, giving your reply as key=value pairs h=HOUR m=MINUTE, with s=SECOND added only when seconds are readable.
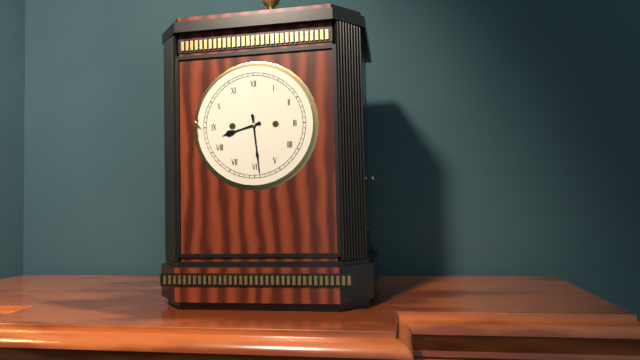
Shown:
h=8 m=29
